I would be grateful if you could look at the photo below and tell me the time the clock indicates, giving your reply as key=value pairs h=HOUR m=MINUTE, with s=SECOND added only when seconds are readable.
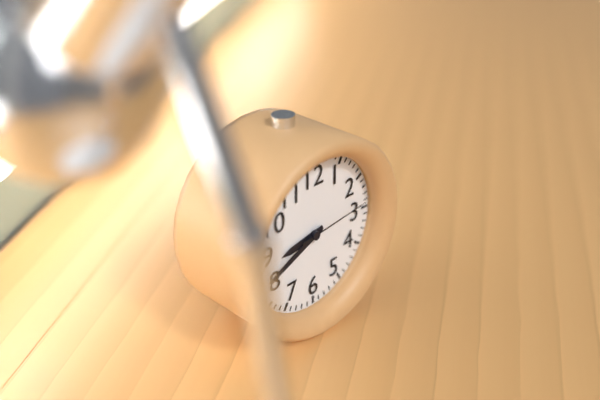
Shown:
h=8 m=41 s=14
